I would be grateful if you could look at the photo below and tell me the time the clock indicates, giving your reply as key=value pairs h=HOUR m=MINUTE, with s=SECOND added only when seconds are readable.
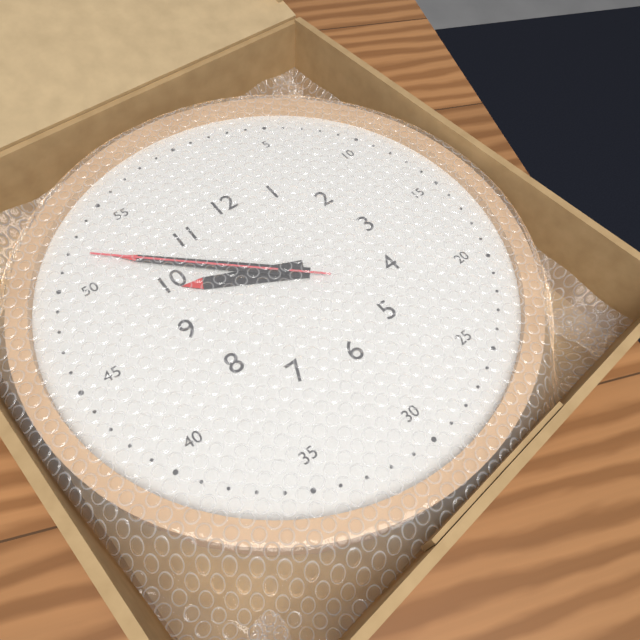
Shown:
h=9 m=52 s=52
